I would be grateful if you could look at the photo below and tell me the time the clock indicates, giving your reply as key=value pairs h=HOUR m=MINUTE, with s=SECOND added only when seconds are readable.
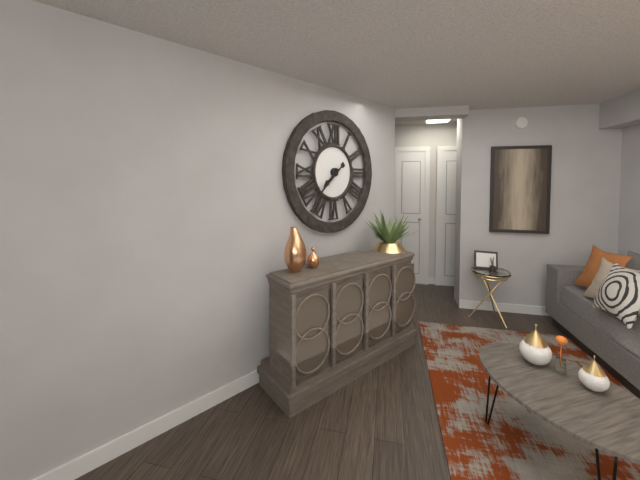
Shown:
h=7 m=38
